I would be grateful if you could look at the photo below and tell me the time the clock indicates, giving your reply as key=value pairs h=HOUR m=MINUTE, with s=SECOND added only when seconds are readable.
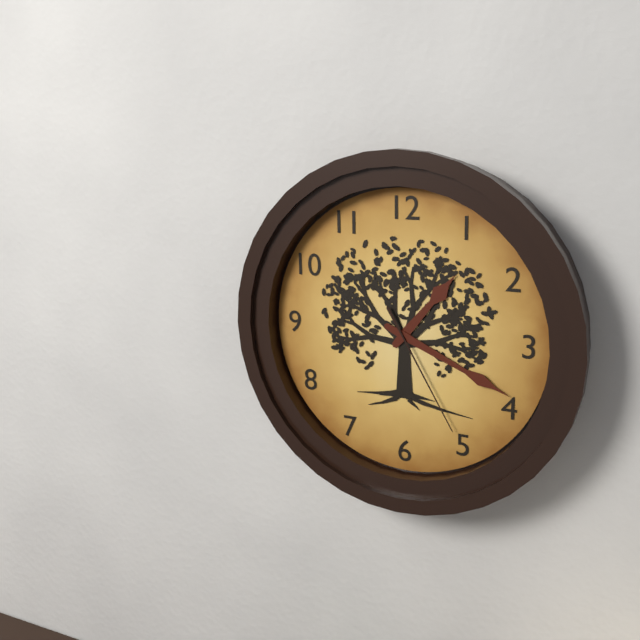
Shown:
h=1 m=19 s=25
